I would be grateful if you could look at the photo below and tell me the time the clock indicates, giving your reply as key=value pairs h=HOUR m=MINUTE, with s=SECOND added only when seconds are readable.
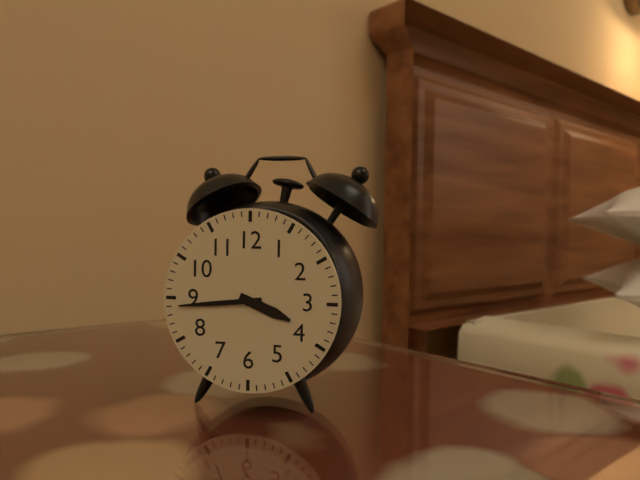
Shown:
h=3 m=44
